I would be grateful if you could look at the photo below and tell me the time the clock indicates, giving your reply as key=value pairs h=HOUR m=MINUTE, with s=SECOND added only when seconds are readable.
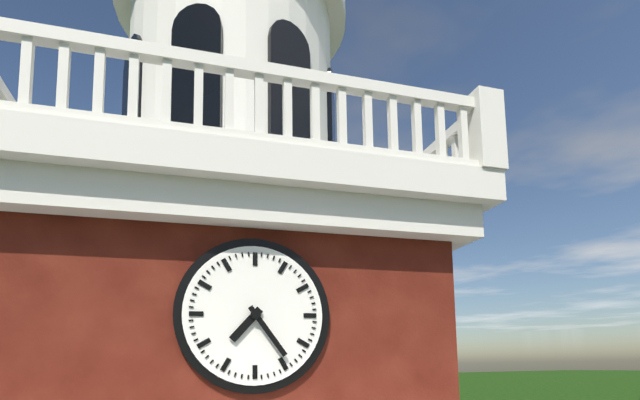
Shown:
h=7 m=24
